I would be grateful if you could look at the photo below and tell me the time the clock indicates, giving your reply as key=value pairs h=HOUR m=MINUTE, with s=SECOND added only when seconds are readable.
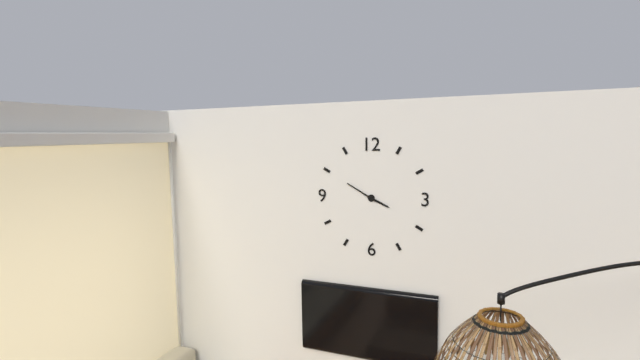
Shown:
h=3 m=50
